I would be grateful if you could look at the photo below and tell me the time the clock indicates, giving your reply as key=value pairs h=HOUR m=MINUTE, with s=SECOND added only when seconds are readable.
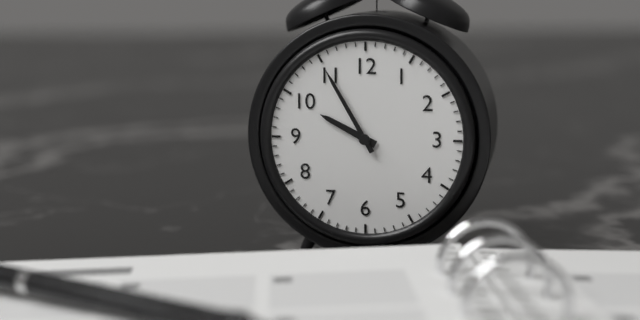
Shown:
h=9 m=55
